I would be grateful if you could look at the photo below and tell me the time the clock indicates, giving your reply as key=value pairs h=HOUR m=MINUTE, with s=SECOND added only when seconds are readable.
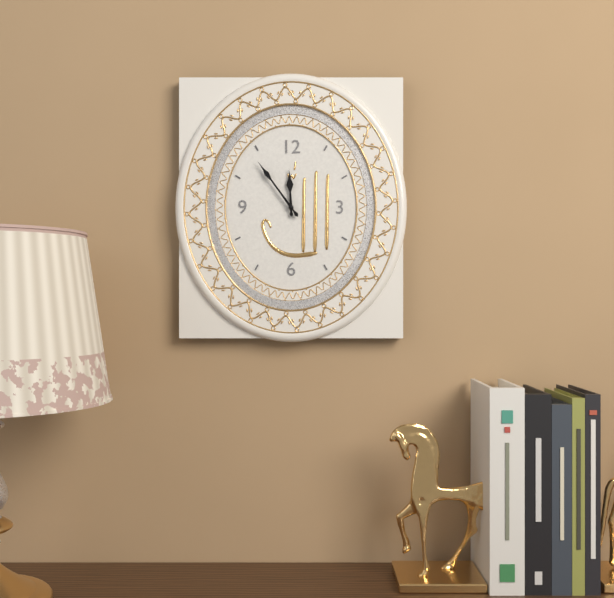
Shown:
h=11 m=54
